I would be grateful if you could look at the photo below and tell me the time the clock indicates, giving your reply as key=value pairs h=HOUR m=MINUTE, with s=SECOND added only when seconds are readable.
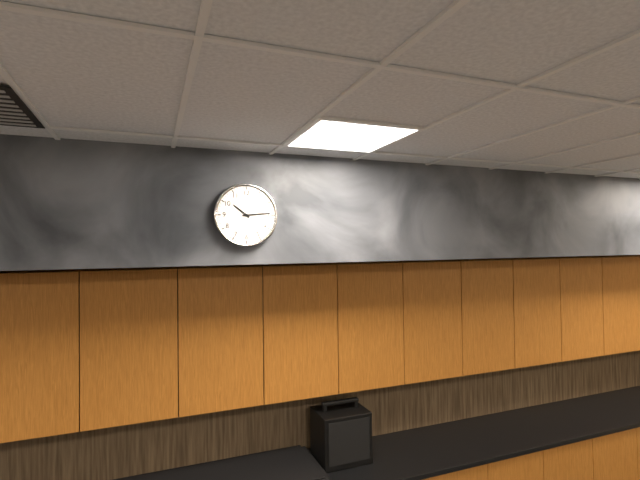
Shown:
h=10 m=14
